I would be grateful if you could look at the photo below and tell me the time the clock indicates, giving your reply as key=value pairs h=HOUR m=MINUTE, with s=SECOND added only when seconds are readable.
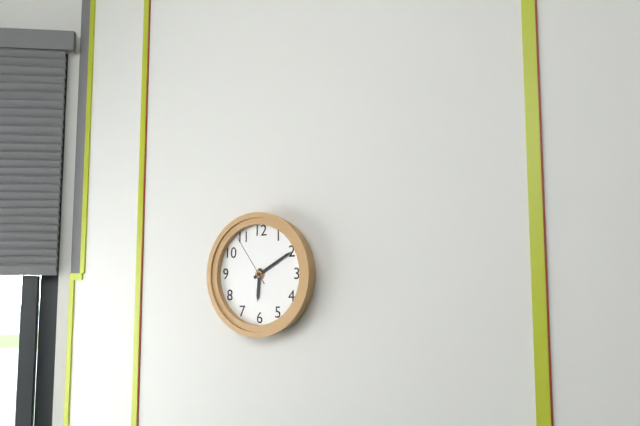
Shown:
h=6 m=10 s=54
